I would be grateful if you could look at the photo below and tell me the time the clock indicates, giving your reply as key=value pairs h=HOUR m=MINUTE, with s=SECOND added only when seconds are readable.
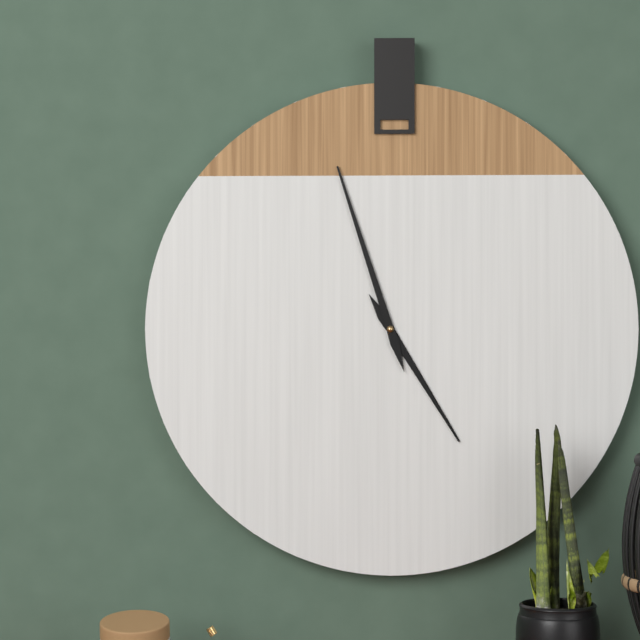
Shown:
h=4 m=57
